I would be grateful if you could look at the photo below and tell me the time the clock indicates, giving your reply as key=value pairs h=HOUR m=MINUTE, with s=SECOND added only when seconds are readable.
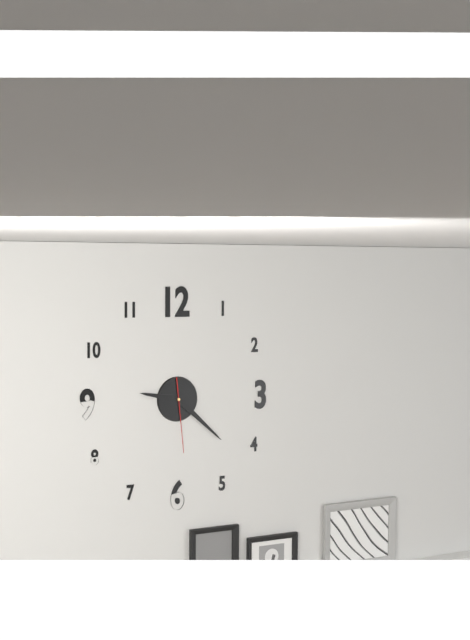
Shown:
h=9 m=22 s=29
